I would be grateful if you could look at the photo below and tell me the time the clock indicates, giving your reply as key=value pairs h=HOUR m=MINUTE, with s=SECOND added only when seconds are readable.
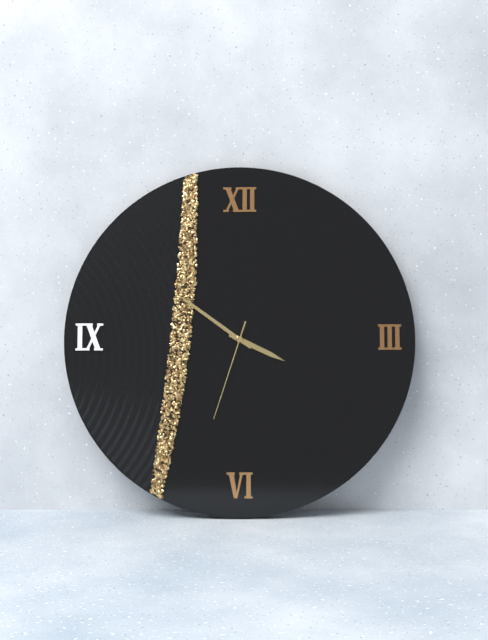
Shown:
h=3 m=51 s=33
